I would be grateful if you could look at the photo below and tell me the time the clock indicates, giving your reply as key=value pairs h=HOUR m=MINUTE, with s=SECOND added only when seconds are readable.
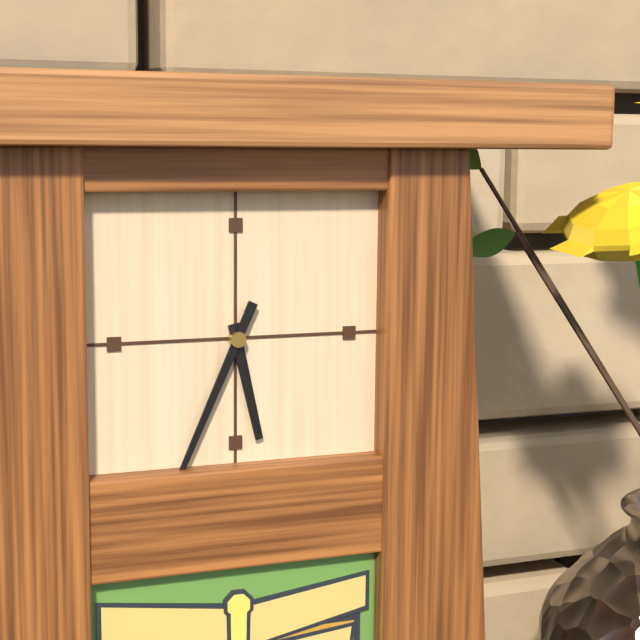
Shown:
h=5 m=34
